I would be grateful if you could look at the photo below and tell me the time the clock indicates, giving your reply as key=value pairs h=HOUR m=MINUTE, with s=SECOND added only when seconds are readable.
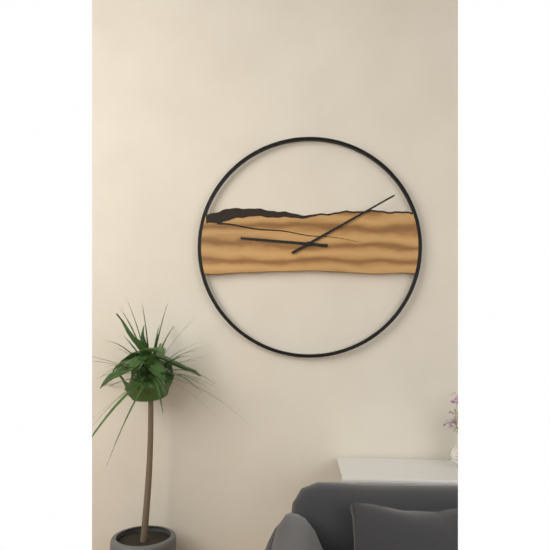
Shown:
h=9 m=10
